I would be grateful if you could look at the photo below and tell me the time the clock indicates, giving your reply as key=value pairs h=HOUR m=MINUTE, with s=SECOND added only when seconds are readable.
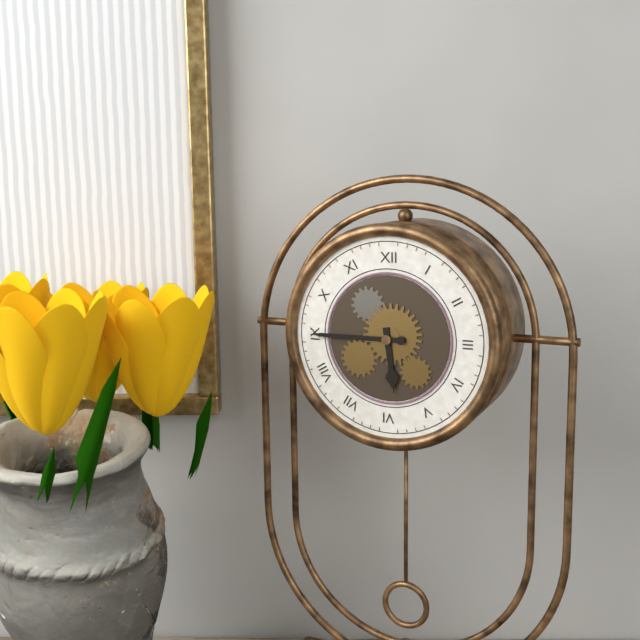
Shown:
h=5 m=45
